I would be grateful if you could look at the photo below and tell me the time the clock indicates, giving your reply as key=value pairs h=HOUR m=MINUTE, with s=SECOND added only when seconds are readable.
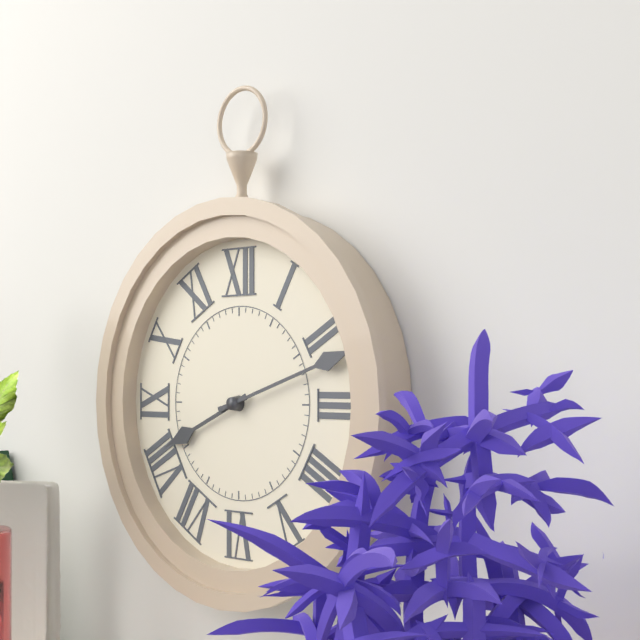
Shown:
h=8 m=12
